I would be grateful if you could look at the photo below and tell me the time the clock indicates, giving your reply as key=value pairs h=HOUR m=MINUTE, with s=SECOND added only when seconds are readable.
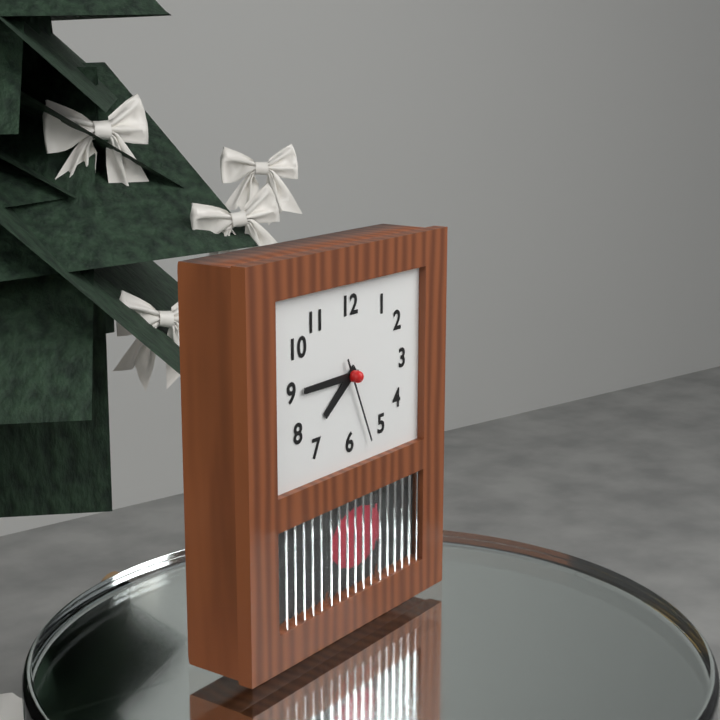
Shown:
h=7 m=45 s=26
